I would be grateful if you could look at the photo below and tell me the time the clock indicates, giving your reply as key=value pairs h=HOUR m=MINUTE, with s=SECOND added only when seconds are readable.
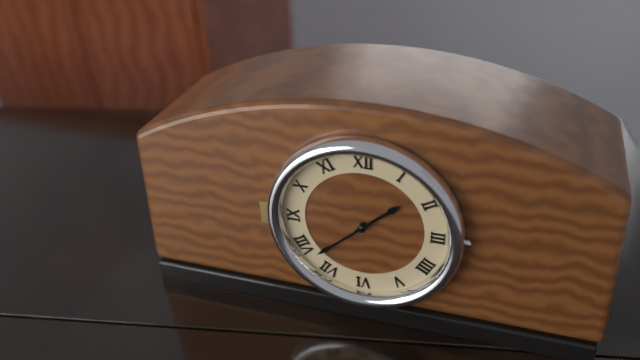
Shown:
h=1 m=38
